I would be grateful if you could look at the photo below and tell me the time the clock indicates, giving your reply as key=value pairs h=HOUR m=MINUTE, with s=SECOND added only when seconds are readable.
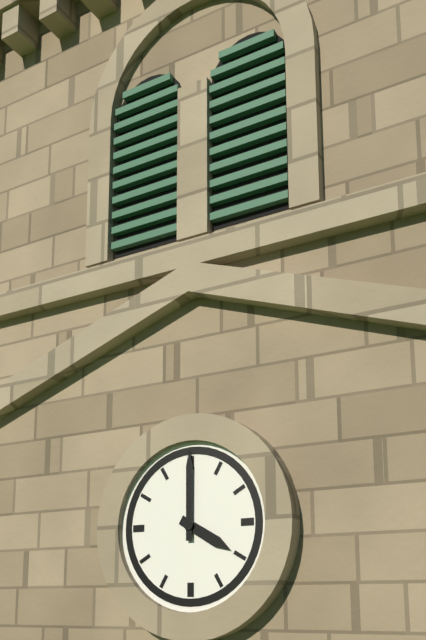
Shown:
h=4 m=0
